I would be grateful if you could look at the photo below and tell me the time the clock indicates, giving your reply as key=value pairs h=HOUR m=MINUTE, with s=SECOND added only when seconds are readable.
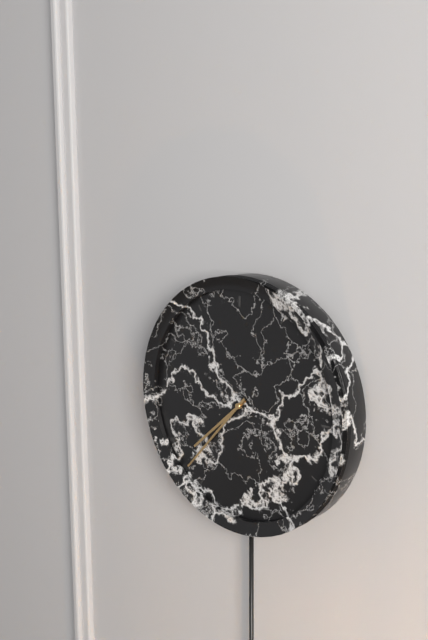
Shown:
h=7 m=37
